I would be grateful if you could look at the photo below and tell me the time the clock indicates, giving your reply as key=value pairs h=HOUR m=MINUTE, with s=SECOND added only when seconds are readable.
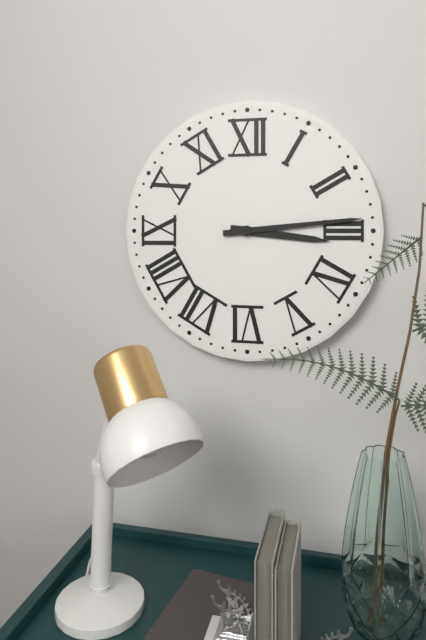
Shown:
h=3 m=14
